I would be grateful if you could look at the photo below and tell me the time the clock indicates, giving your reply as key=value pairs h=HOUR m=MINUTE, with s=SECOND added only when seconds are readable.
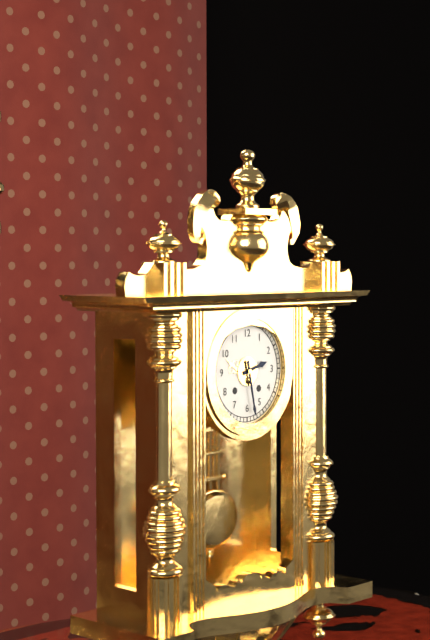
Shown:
h=2 m=28
